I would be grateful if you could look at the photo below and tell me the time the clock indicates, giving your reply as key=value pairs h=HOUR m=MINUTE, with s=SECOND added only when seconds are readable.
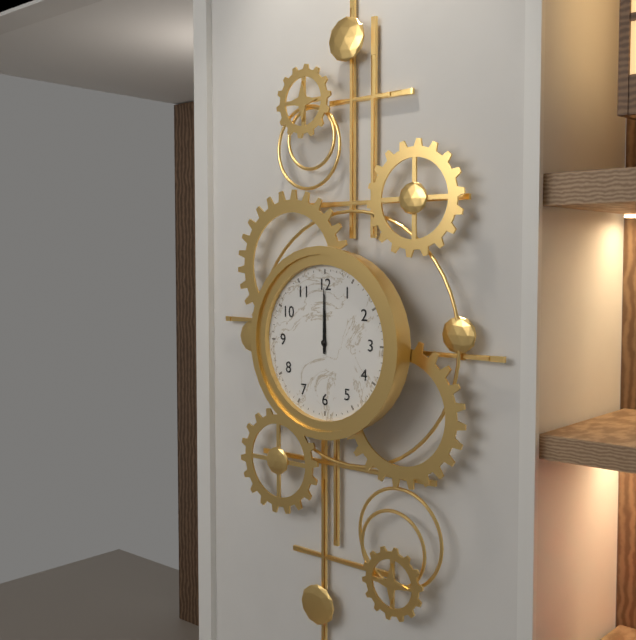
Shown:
h=12 m=0
